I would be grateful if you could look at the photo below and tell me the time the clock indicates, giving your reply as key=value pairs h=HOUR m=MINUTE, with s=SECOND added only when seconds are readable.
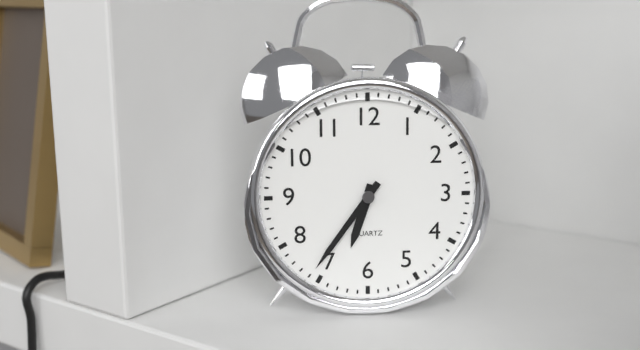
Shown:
h=6 m=36
